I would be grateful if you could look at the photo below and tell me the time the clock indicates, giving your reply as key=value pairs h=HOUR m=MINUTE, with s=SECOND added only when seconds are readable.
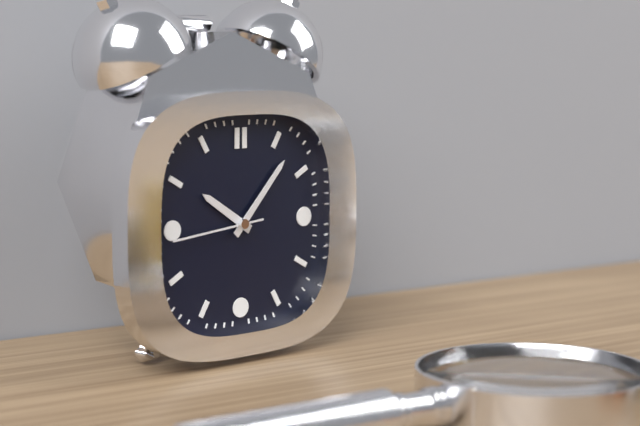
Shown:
h=10 m=7 s=44
